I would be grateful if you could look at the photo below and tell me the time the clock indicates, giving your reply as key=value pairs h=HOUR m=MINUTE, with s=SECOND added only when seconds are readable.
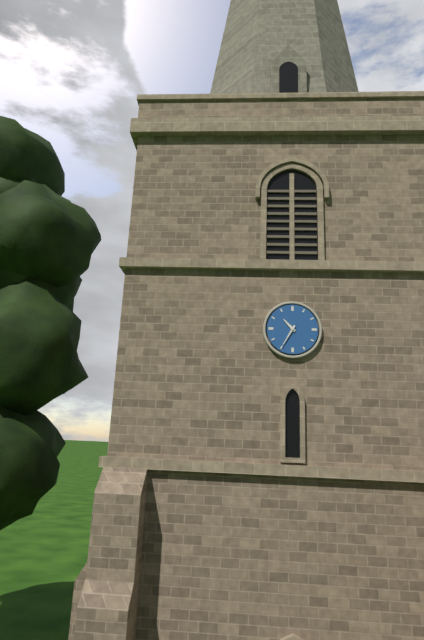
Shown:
h=10 m=35
